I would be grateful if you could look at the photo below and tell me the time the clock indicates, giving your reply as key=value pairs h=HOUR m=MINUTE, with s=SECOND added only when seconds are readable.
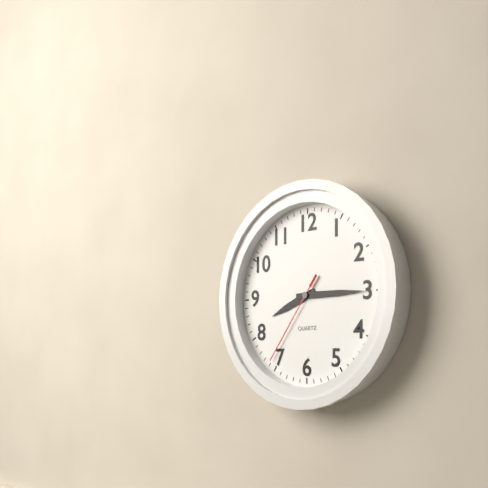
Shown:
h=8 m=15 s=36
